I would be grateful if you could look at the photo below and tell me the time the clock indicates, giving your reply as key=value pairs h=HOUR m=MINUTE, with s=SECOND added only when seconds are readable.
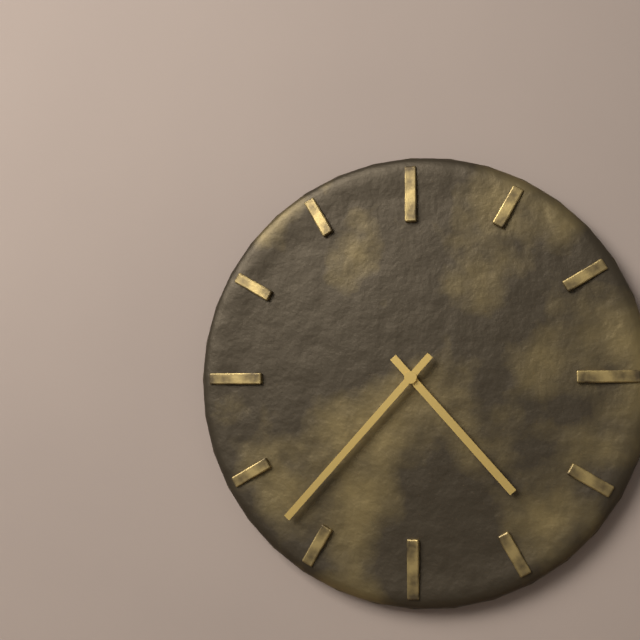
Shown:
h=4 m=37
